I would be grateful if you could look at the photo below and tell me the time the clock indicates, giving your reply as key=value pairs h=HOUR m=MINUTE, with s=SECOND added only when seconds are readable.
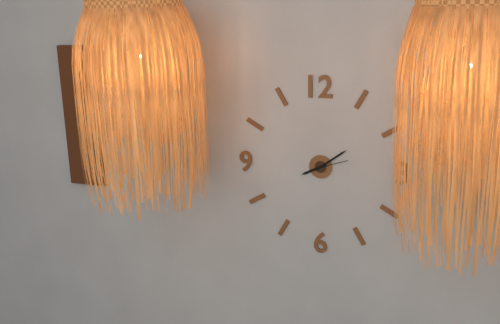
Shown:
h=8 m=9
